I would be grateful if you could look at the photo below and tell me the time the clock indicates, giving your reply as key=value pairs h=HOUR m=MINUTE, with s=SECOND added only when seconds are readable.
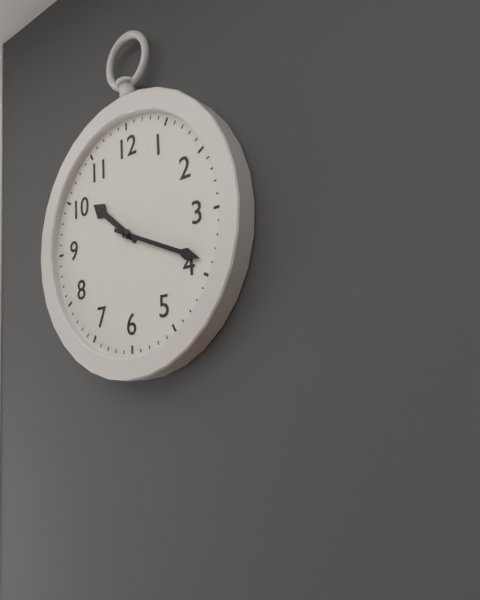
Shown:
h=10 m=19
